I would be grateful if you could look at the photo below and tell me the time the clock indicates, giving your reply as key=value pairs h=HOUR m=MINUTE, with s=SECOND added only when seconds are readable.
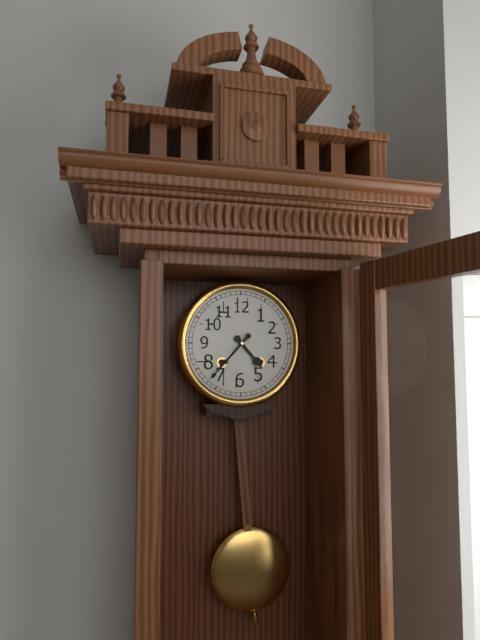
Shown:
h=4 m=37
